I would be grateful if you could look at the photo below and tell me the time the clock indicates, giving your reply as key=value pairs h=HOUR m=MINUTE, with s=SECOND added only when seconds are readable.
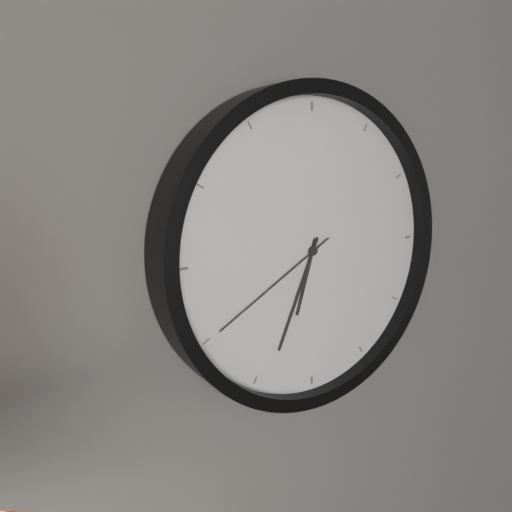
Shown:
h=6 m=34 s=40
